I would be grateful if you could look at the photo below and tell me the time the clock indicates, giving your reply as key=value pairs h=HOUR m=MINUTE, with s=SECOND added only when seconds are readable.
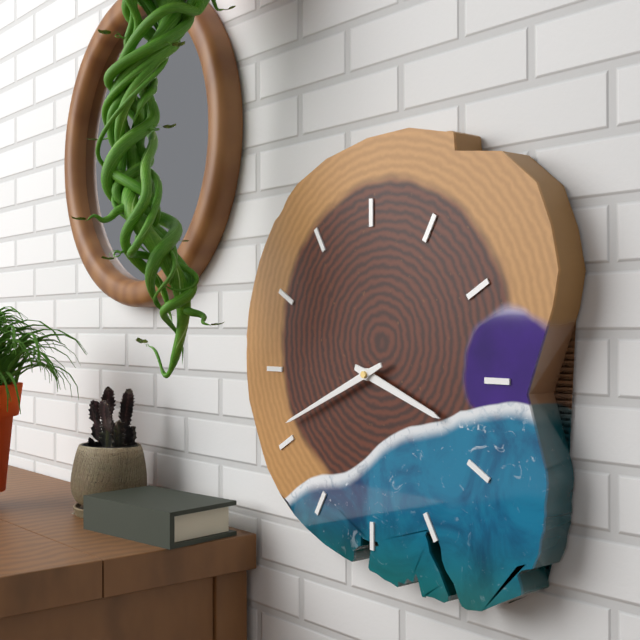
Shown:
h=3 m=41
